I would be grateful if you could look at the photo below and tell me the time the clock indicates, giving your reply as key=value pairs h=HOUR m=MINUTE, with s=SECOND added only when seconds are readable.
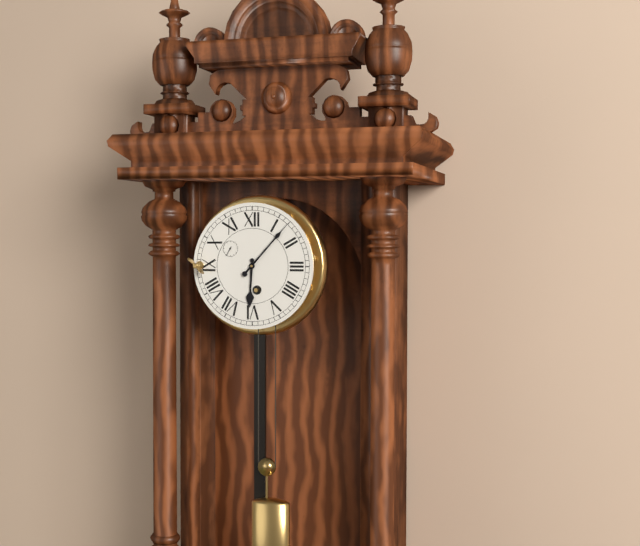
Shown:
h=6 m=7
